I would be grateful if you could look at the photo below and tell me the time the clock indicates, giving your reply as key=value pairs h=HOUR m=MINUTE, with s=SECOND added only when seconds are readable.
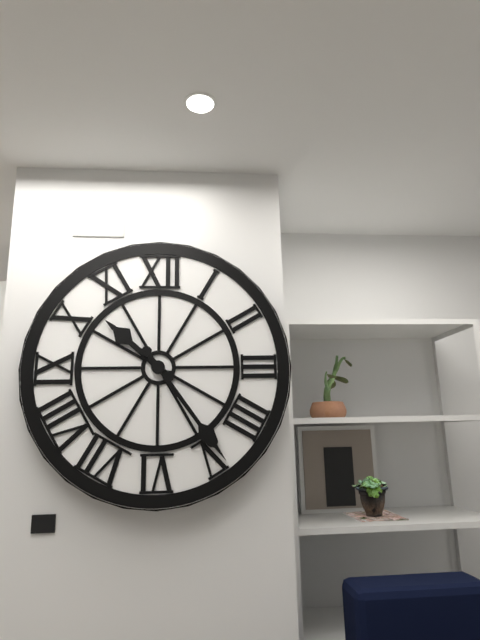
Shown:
h=10 m=24
